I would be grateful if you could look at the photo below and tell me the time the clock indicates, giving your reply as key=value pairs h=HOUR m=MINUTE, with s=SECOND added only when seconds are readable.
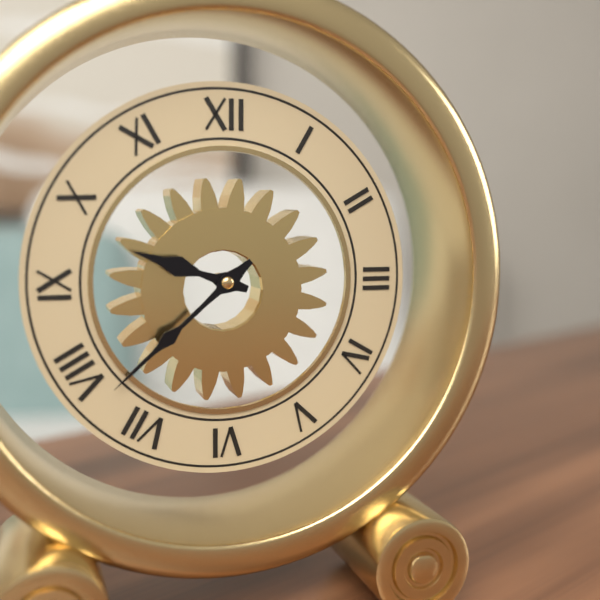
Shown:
h=9 m=38
